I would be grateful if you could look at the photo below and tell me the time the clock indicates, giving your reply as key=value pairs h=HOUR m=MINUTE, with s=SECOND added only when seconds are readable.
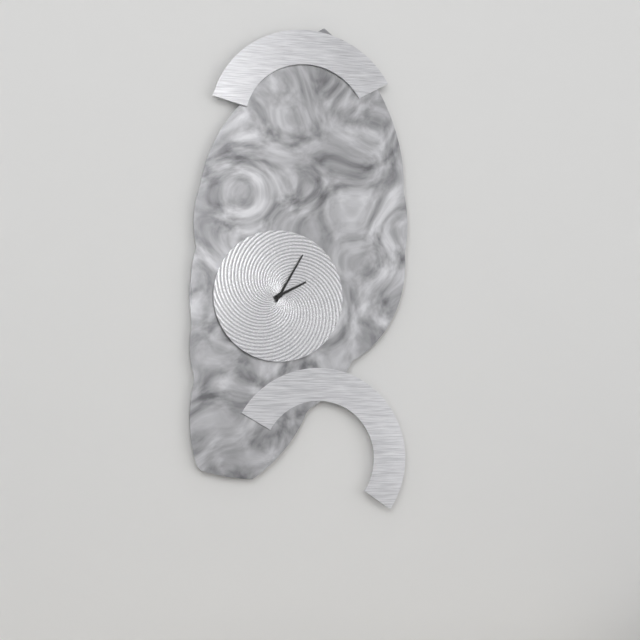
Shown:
h=2 m=5
